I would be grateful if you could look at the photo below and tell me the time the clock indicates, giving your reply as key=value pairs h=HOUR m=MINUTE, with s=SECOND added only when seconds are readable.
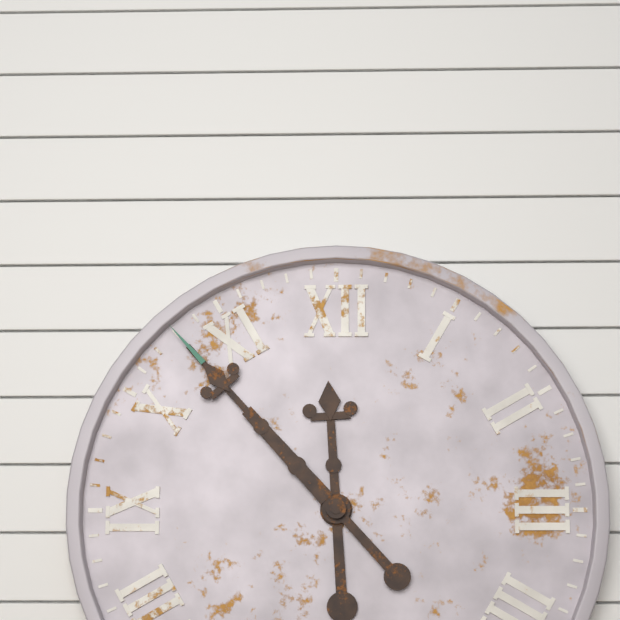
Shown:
h=11 m=53
